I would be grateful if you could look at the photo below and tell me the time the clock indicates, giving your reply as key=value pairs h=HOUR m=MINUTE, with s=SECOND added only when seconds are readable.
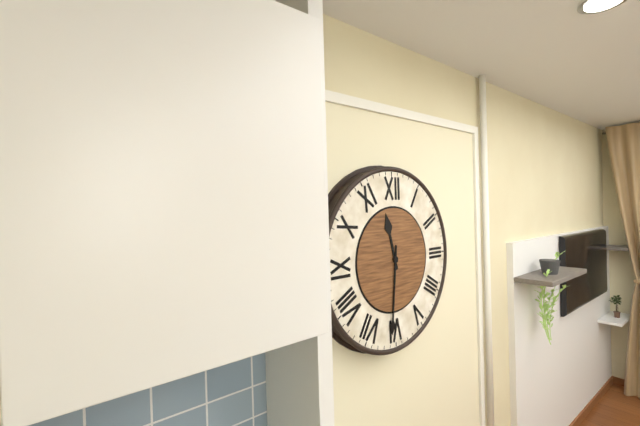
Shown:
h=11 m=31
